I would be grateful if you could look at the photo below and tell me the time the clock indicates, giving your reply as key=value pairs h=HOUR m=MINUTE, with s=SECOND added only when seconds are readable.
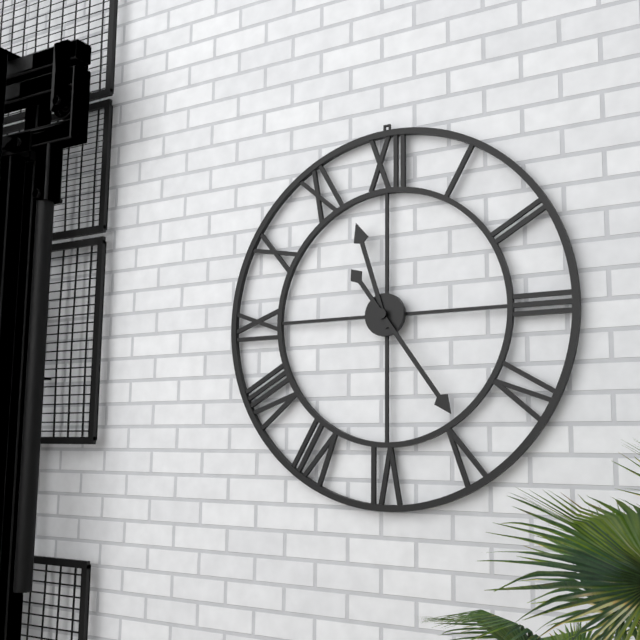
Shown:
h=11 m=24
